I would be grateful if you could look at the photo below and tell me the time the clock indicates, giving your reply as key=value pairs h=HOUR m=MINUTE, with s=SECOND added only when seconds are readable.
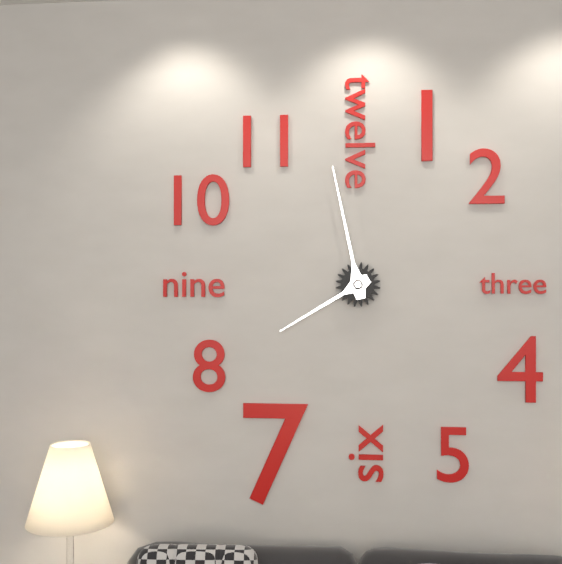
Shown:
h=7 m=58
